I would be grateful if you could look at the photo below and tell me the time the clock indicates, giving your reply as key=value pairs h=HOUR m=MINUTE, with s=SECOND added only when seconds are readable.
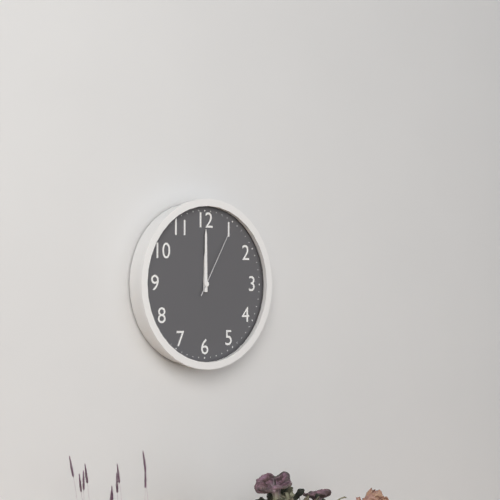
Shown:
h=12 m=0 s=5
